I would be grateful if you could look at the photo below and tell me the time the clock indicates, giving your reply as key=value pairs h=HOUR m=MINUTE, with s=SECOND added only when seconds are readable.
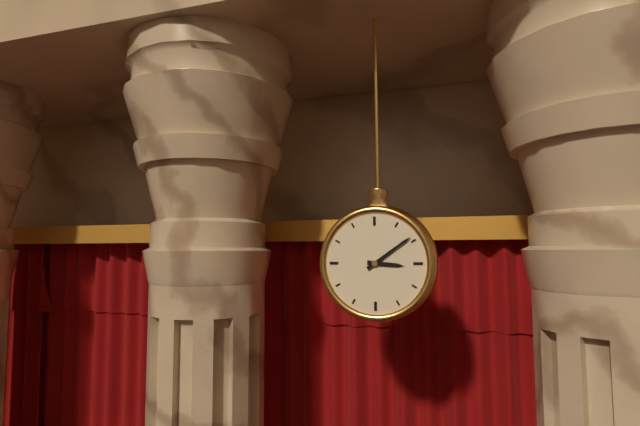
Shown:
h=3 m=9
